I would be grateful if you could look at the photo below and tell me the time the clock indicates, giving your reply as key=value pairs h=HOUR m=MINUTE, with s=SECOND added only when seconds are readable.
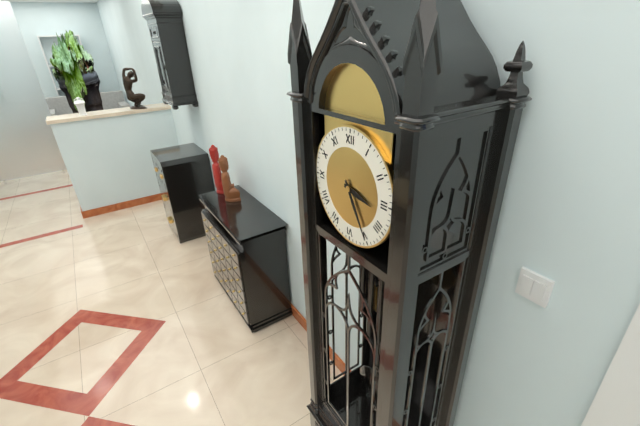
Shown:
h=3 m=25
